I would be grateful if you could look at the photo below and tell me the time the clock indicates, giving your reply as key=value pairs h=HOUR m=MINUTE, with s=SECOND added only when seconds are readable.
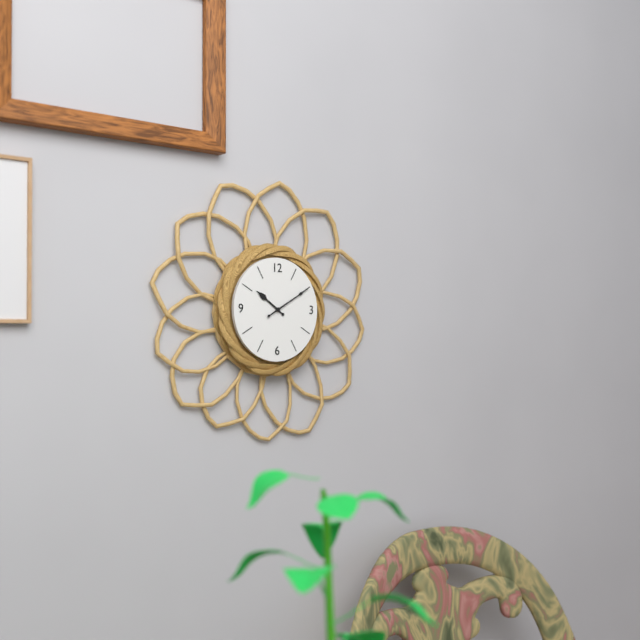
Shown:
h=10 m=10
